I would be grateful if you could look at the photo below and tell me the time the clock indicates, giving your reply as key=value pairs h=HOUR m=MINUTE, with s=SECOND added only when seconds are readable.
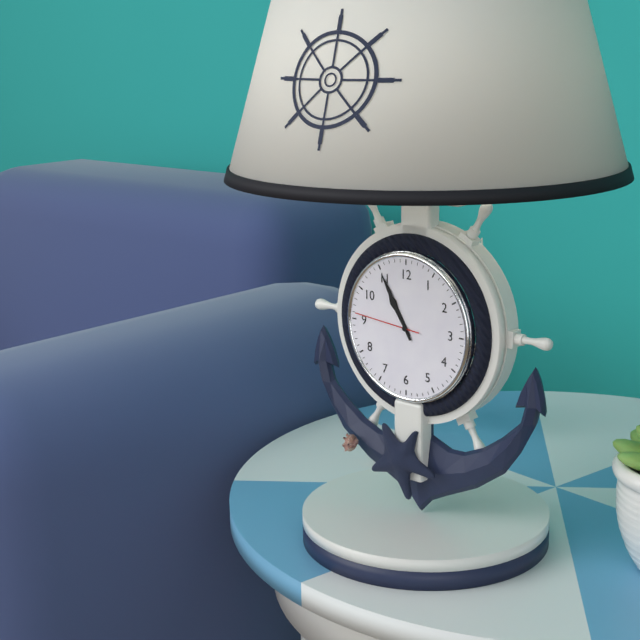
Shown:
h=10 m=55 s=46
